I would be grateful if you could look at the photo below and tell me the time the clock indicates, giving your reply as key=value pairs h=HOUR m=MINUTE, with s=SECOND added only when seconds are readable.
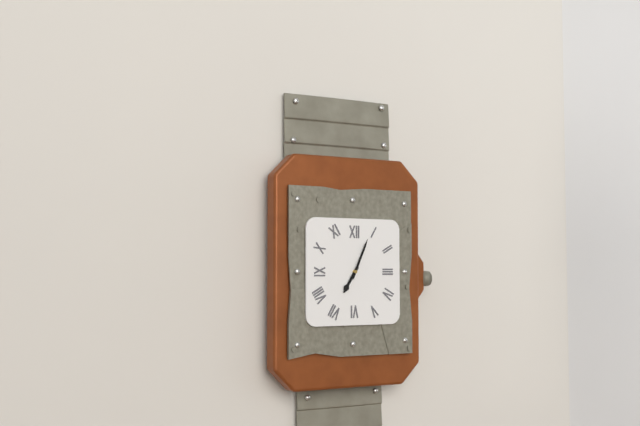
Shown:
h=7 m=4
